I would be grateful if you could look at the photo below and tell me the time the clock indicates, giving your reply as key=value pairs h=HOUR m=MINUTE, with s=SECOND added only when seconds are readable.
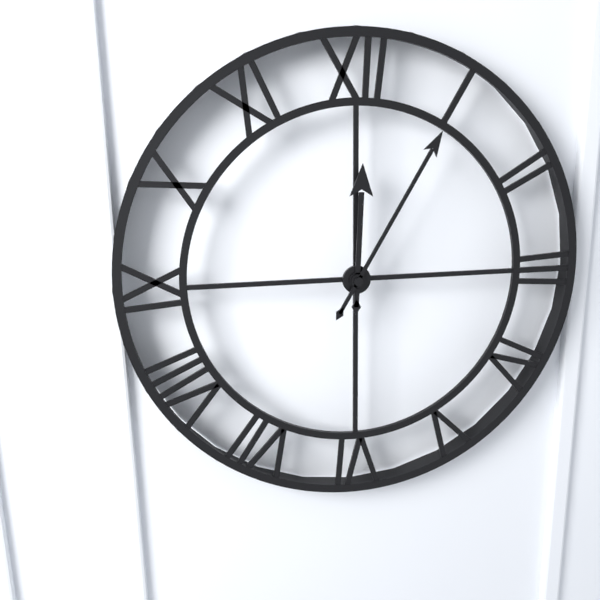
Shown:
h=12 m=5
